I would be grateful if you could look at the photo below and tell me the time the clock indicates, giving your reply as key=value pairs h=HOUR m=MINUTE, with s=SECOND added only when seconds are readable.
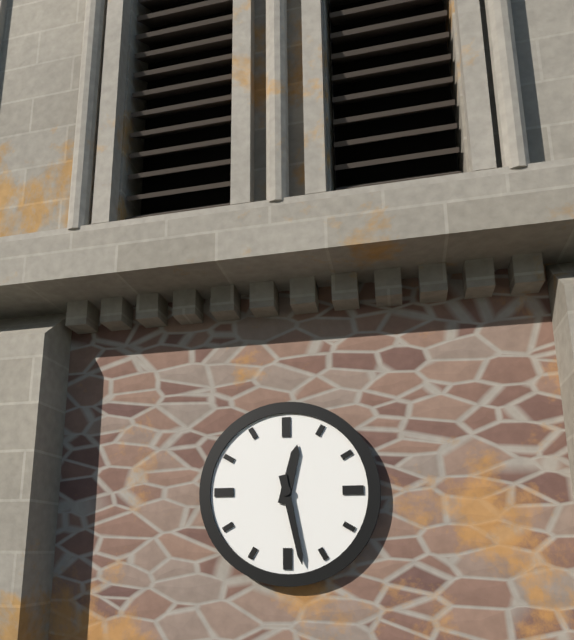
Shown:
h=12 m=28
